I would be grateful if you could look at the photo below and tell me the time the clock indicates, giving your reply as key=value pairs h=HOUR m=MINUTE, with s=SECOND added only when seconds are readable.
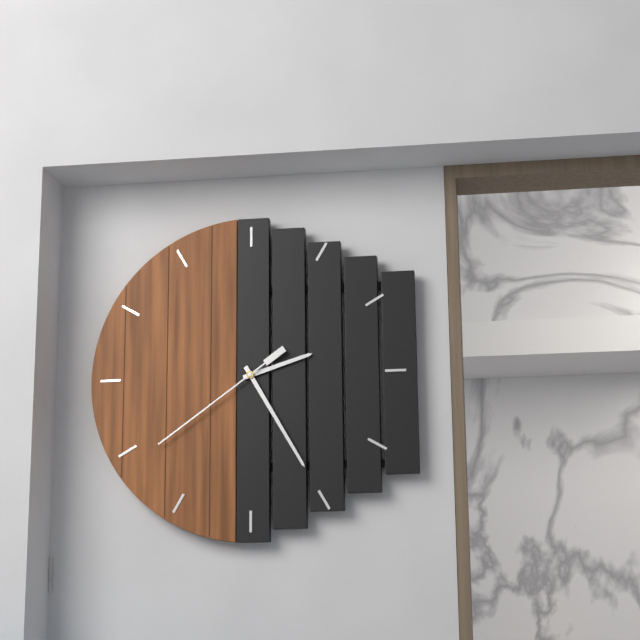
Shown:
h=2 m=25 s=39
